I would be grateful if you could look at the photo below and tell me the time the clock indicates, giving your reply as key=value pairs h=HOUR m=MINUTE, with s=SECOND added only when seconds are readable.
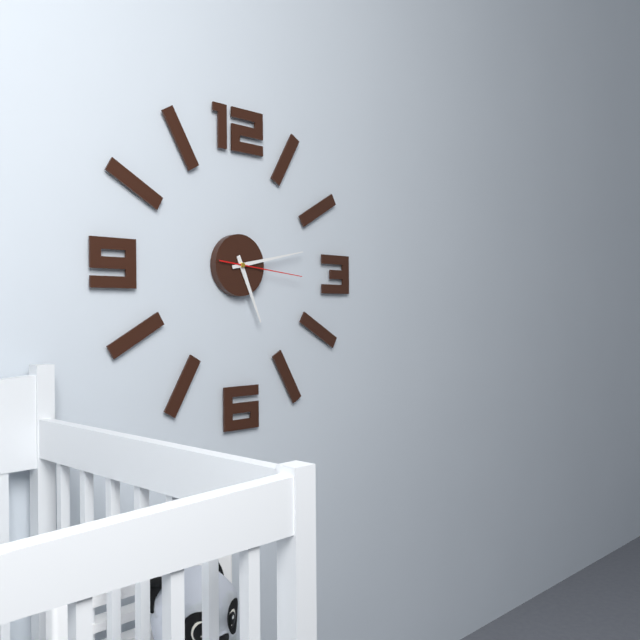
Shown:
h=5 m=13 s=16
